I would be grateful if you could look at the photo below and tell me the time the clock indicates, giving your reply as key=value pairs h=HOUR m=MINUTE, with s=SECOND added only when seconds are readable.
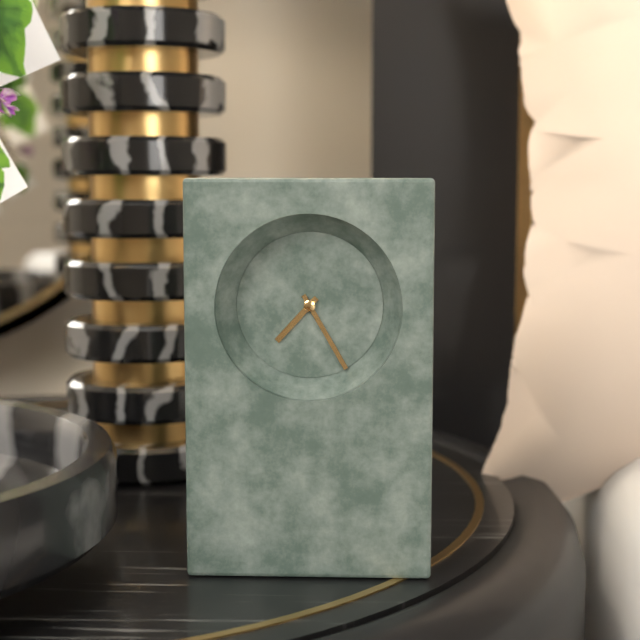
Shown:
h=7 m=25
